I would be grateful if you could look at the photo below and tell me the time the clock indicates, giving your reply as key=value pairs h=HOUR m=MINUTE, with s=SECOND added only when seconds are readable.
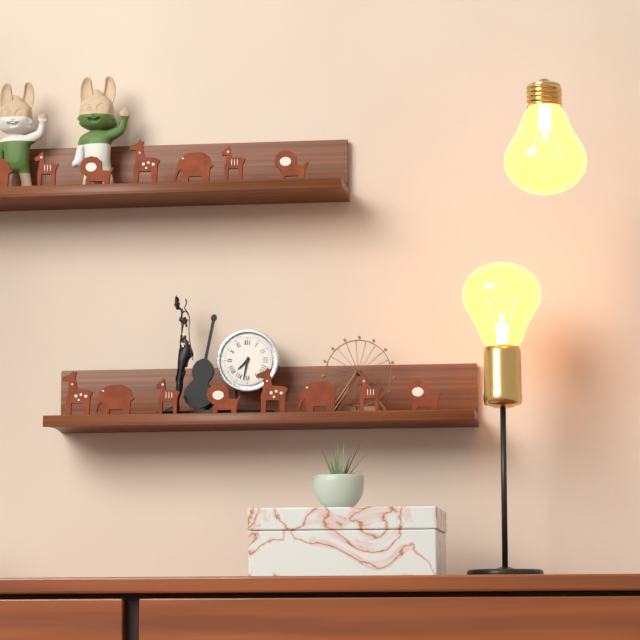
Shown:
h=7 m=32
